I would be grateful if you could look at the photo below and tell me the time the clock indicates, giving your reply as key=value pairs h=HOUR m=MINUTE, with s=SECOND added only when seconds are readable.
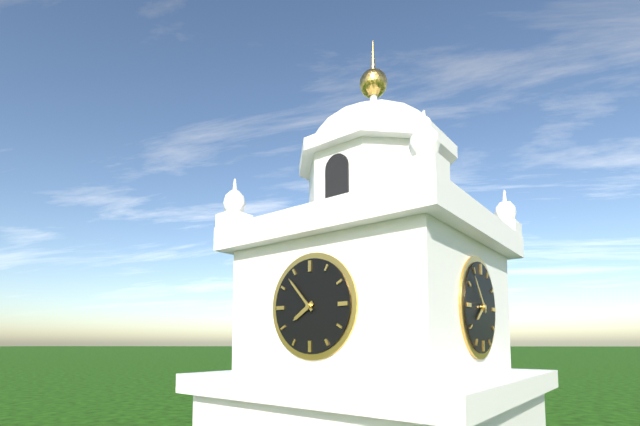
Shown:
h=7 m=53
